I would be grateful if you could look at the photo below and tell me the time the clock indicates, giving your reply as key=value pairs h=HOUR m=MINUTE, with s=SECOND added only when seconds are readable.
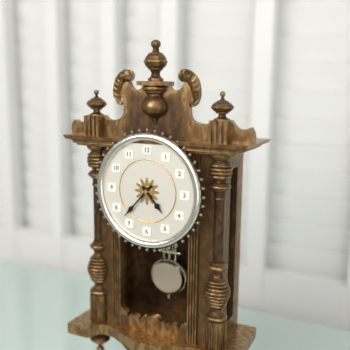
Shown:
h=4 m=37
